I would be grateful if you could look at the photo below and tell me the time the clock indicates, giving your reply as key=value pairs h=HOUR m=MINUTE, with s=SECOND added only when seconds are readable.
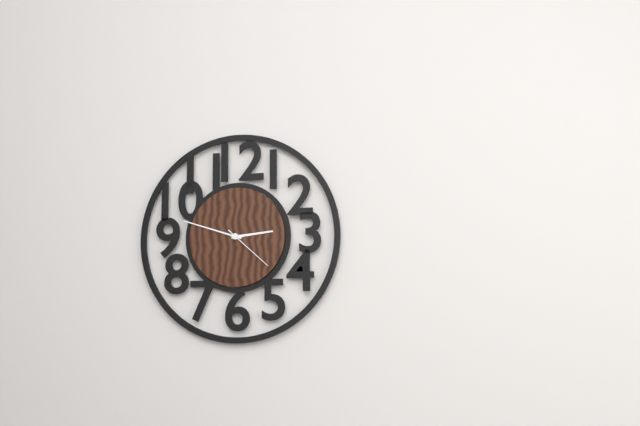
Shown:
h=2 m=48 s=22
